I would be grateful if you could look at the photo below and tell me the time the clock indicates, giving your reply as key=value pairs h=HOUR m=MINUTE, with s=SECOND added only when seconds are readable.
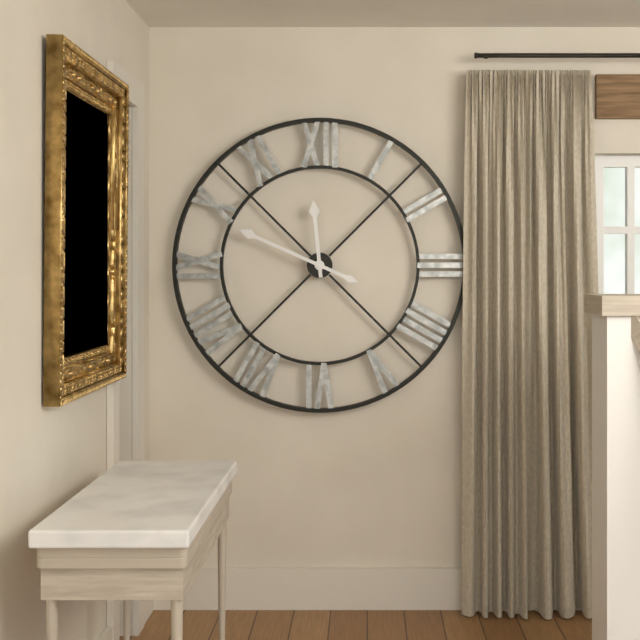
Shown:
h=11 m=49
